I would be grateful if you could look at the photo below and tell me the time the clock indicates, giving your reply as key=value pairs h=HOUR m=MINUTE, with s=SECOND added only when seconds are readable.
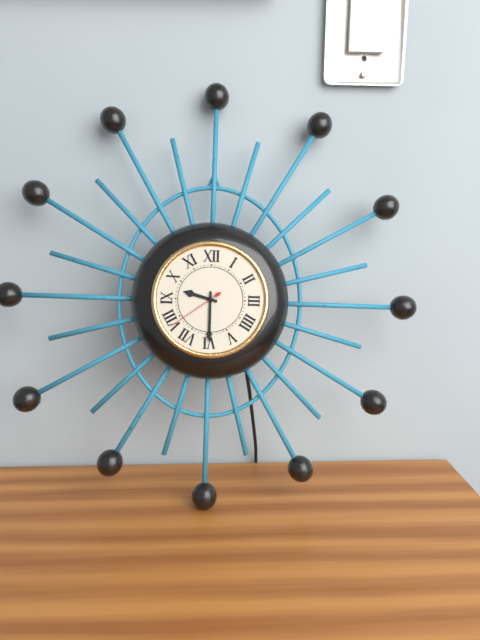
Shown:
h=9 m=30 s=39
